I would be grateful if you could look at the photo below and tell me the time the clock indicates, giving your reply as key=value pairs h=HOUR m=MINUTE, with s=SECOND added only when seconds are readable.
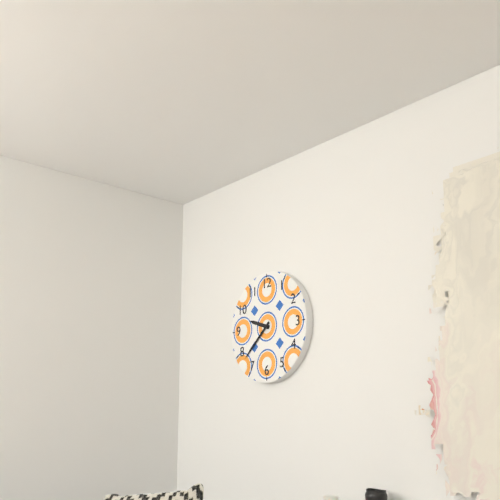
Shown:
h=9 m=38
